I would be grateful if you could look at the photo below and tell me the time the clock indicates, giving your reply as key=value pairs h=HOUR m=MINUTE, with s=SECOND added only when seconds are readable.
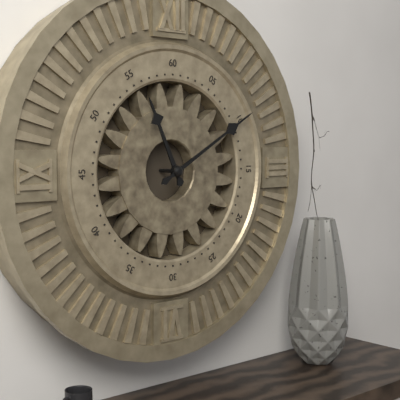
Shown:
h=11 m=10
